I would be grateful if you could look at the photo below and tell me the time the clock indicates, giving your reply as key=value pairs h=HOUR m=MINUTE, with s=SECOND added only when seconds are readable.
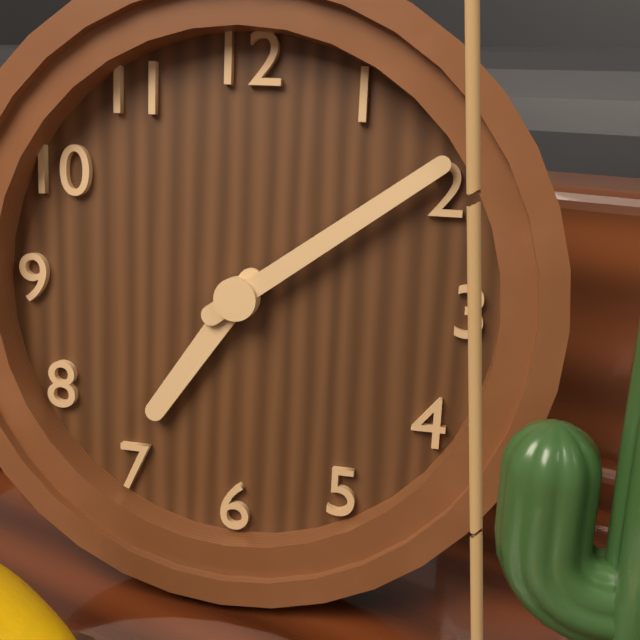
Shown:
h=7 m=9
